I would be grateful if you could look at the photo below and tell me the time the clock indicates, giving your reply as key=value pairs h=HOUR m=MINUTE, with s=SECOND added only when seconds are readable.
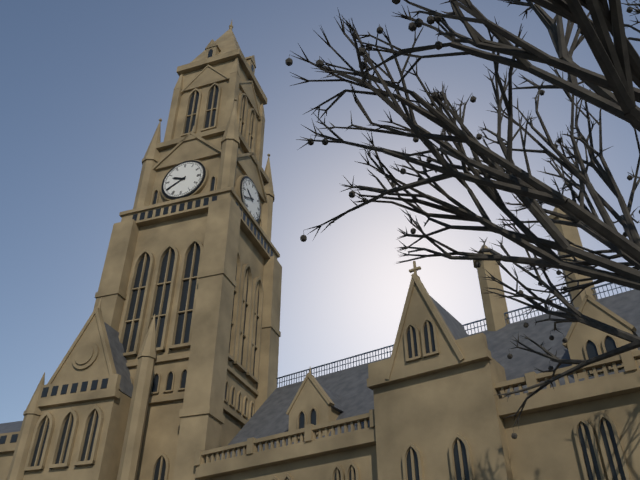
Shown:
h=9 m=40
